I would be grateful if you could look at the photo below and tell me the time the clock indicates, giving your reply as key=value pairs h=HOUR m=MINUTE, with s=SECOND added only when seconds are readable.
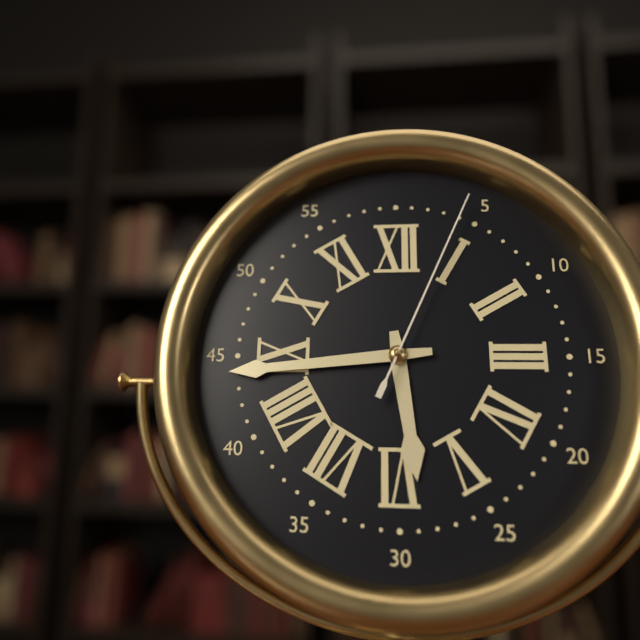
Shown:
h=5 m=44 s=4
